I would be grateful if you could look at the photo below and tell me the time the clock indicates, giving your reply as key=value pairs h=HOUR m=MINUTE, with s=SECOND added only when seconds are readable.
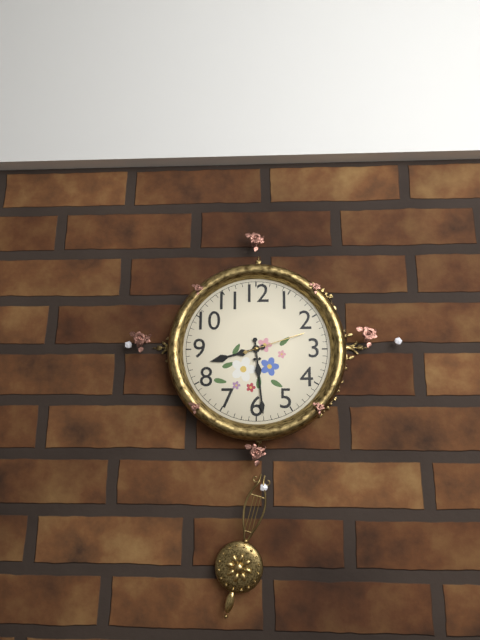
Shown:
h=8 m=29 s=12
